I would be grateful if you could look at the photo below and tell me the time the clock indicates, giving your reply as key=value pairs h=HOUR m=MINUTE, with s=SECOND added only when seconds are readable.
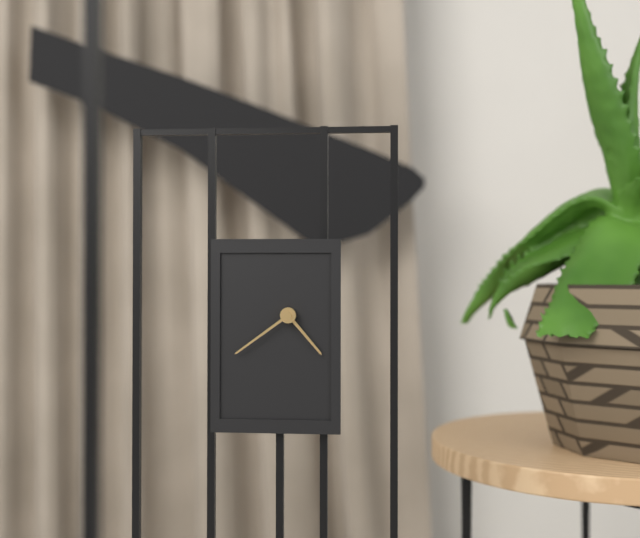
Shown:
h=4 m=39
